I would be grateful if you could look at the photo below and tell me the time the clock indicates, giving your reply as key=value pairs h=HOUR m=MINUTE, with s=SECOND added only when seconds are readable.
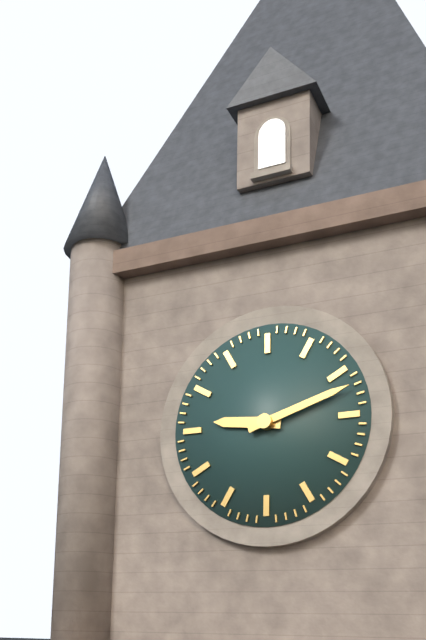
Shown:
h=9 m=12
